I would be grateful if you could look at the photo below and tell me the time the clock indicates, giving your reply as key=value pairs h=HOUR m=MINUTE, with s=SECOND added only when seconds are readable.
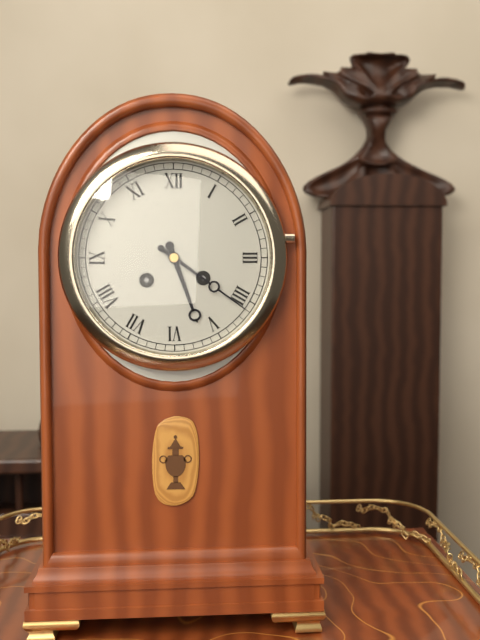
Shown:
h=5 m=21
